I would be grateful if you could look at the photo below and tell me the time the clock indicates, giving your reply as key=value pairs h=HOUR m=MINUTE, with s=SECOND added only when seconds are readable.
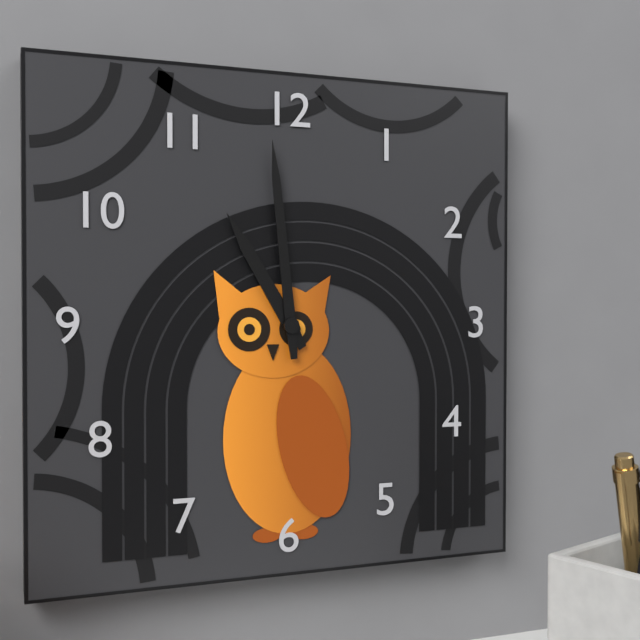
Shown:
h=10 m=59
